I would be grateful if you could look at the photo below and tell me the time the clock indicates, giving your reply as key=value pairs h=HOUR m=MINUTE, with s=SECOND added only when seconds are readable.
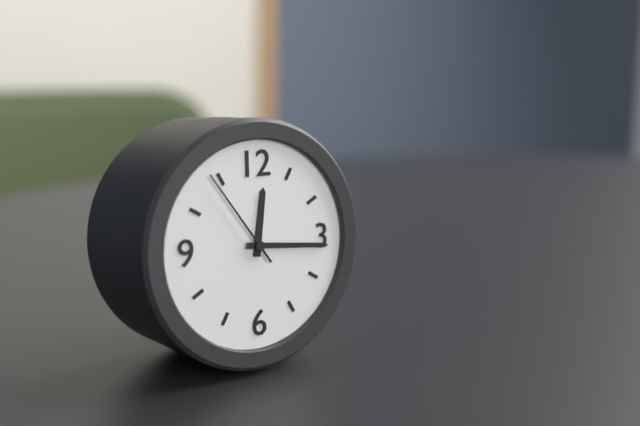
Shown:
h=12 m=16 s=54
